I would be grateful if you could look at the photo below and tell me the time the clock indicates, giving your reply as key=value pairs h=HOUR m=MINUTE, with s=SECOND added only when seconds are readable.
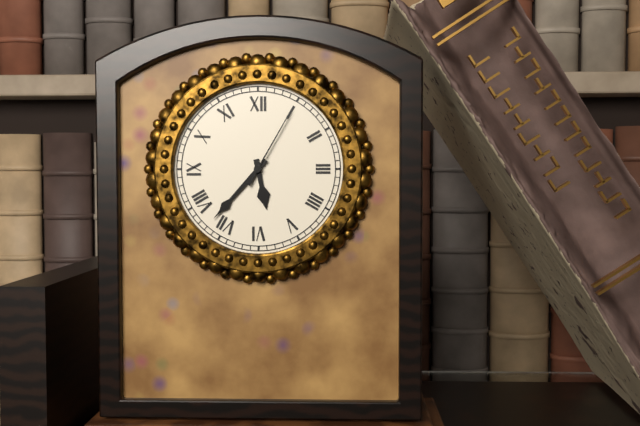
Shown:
h=5 m=37 s=5
